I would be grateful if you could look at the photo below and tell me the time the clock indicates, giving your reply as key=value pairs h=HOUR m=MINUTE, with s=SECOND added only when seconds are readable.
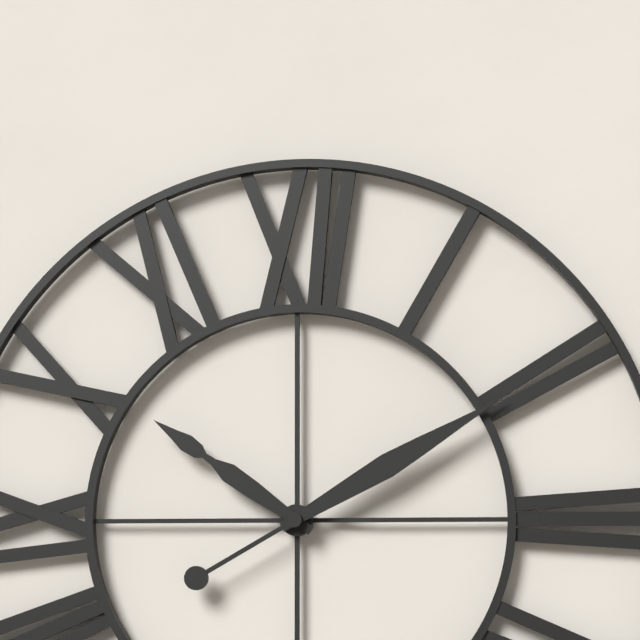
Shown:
h=10 m=10
